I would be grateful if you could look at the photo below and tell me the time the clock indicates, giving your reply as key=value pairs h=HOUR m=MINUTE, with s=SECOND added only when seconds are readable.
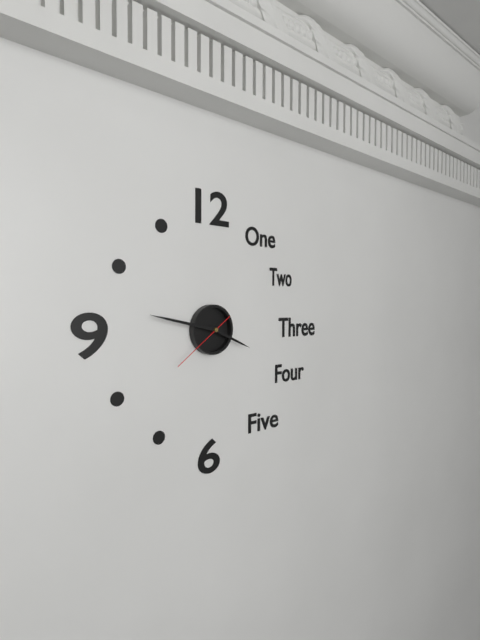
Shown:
h=3 m=47 s=39
